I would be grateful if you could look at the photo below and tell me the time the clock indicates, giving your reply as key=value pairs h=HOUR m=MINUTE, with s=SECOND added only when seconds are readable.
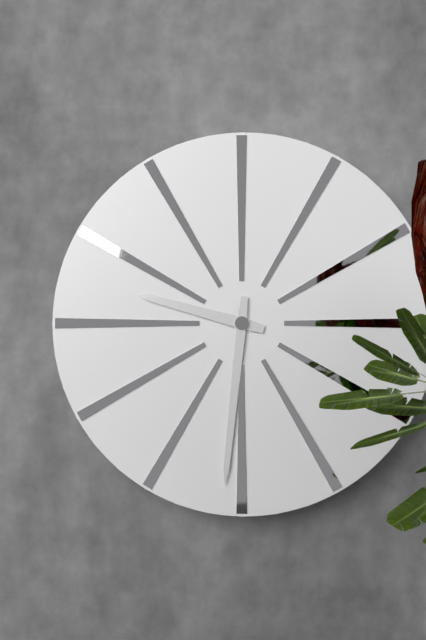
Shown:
h=9 m=31
